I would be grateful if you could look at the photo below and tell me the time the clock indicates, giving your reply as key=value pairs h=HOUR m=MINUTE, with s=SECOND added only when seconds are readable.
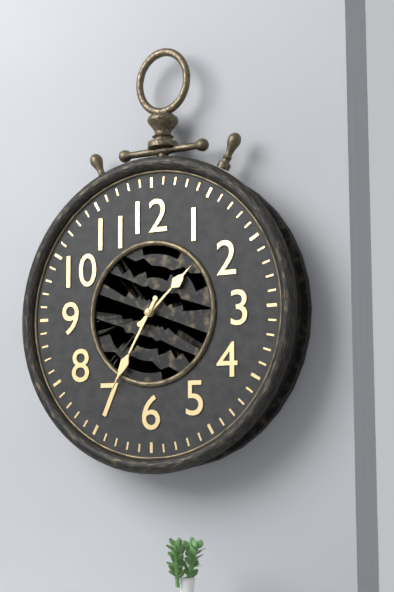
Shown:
h=1 m=35
